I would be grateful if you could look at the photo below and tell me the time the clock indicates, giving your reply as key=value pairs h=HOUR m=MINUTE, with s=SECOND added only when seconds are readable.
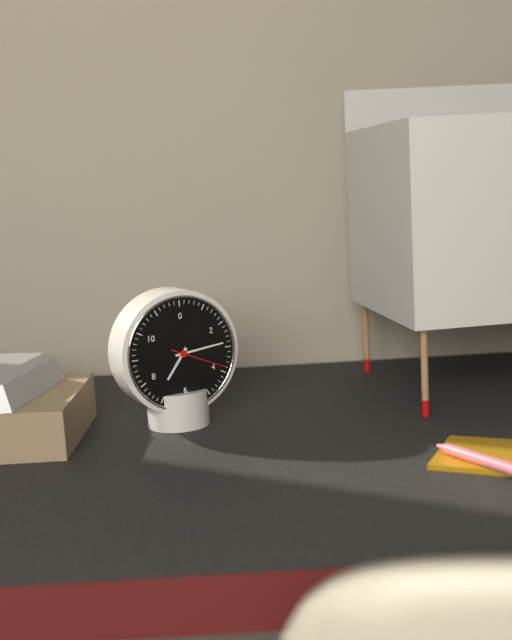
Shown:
h=7 m=14 s=19
